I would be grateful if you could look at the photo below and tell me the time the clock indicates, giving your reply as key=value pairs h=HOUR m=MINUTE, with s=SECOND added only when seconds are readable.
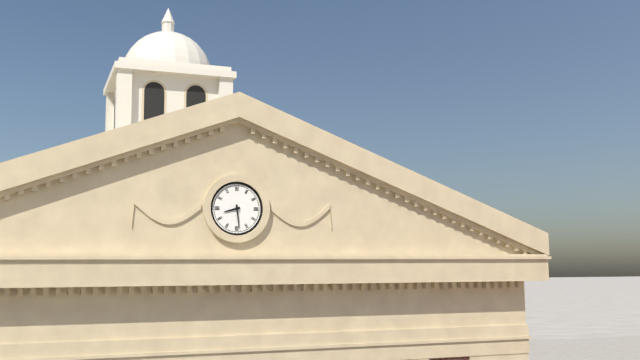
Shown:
h=8 m=29
